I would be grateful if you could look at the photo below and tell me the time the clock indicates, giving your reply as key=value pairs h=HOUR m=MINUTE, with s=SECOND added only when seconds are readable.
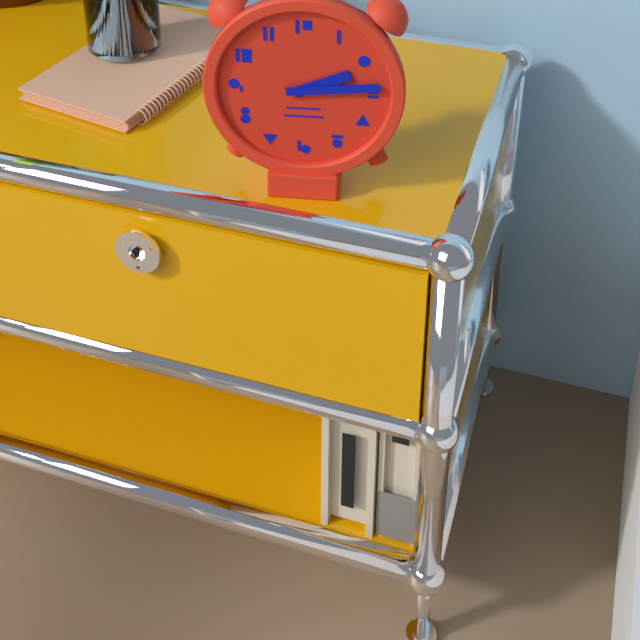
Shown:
h=2 m=14
